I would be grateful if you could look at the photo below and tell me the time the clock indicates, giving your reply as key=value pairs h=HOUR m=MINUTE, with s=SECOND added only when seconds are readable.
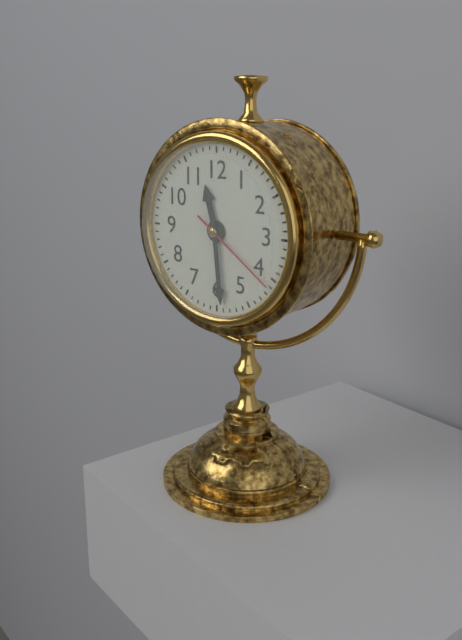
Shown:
h=11 m=29 s=21
